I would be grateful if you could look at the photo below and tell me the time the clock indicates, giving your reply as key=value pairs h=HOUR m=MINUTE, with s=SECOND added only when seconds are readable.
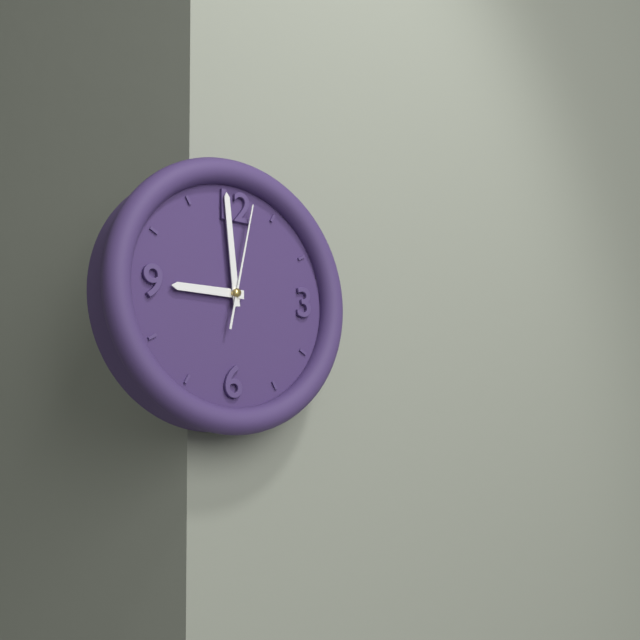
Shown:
h=8 m=59 s=2
